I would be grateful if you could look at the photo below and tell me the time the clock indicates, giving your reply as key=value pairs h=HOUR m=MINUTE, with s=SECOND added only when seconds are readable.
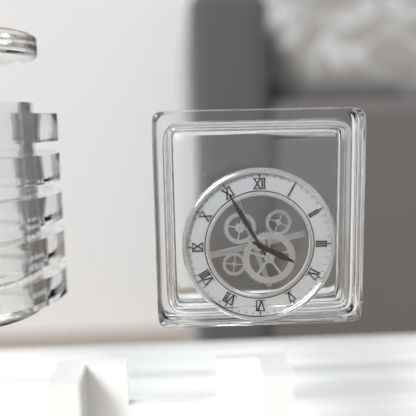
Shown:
h=3 m=55
